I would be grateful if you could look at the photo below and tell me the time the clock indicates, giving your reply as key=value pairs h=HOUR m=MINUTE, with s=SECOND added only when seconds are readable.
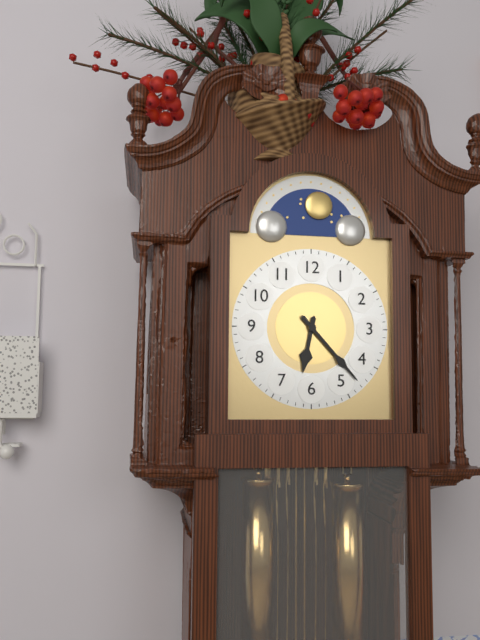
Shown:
h=6 m=23
